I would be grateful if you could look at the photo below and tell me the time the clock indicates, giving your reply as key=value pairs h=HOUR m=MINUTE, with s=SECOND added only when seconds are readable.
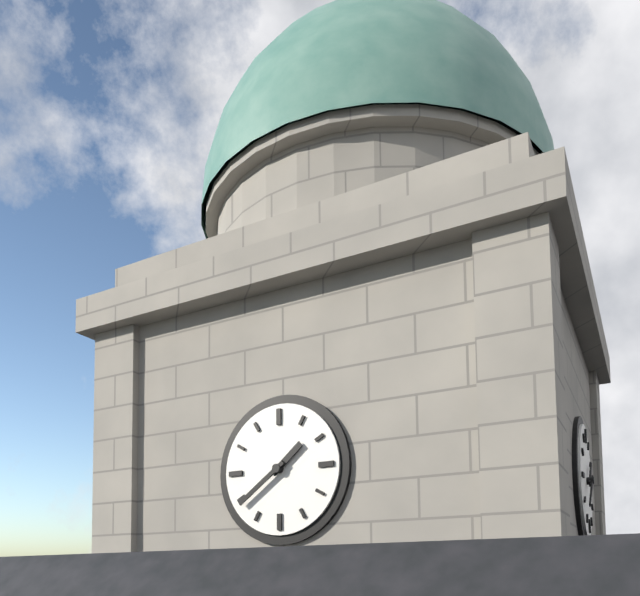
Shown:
h=1 m=39
